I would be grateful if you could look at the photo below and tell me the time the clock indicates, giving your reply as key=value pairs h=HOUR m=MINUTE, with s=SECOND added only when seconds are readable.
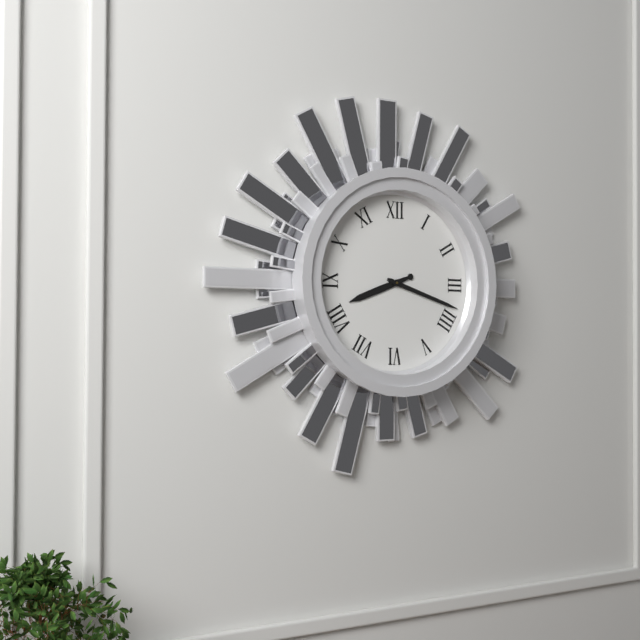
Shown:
h=8 m=18
